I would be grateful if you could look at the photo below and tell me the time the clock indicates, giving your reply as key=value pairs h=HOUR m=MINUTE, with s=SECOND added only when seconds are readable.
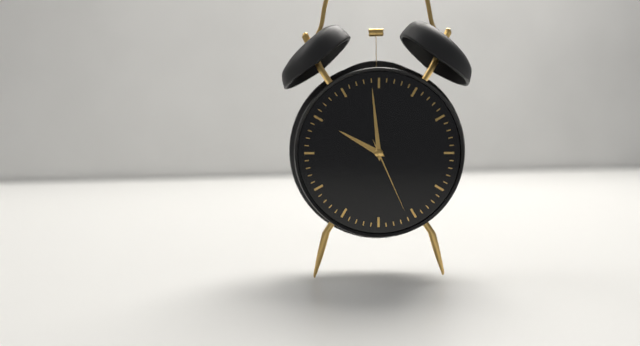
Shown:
h=9 m=59 s=26
